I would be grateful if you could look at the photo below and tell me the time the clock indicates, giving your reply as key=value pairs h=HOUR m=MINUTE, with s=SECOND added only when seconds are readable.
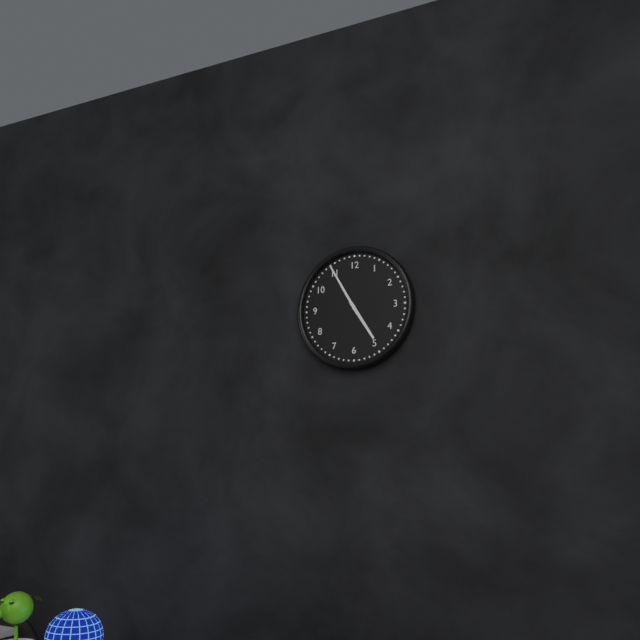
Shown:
h=4 m=55
